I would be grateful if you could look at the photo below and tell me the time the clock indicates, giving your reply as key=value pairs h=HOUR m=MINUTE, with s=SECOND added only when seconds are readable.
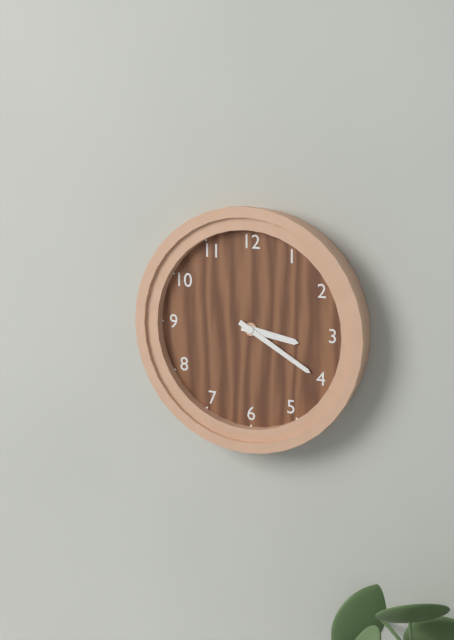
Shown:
h=3 m=20
